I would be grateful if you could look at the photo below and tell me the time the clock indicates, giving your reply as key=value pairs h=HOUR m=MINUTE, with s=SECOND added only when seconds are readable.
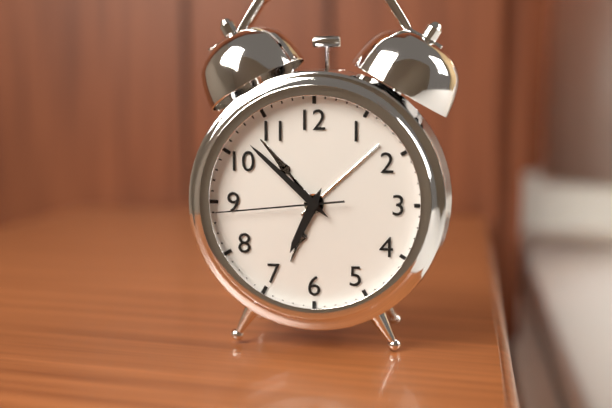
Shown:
h=6 m=52 s=44
